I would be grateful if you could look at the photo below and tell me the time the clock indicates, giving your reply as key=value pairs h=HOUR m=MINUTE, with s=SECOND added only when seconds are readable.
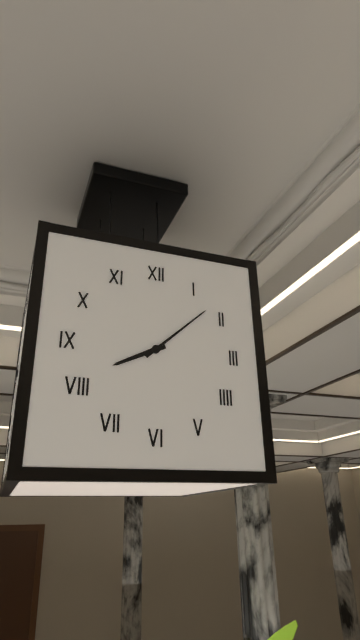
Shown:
h=8 m=8
